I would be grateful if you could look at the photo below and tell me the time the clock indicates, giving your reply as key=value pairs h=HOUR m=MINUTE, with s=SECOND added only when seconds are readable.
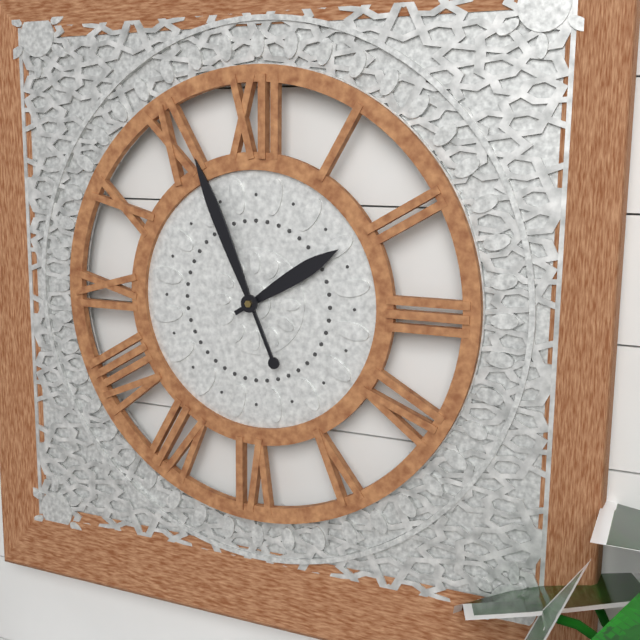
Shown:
h=1 m=56
